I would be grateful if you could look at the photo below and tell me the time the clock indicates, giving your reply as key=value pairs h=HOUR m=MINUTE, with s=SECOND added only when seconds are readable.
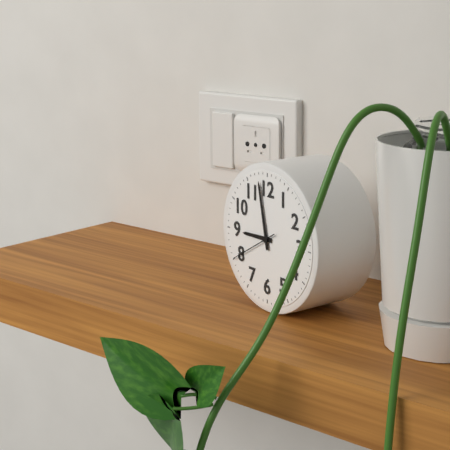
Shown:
h=8 m=58
